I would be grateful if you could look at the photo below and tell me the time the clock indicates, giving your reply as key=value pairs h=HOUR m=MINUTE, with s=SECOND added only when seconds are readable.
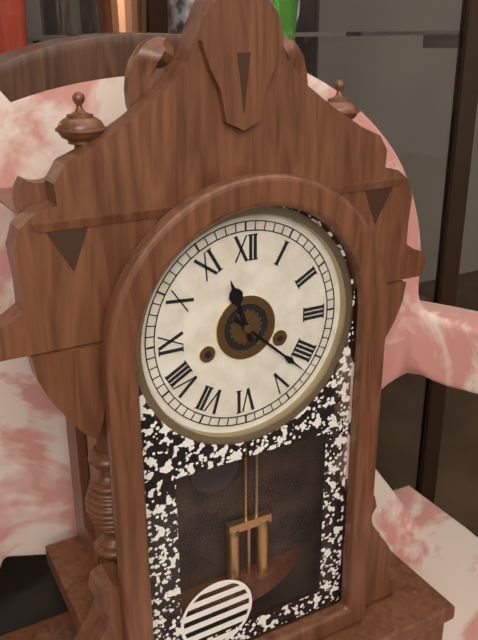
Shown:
h=11 m=22
